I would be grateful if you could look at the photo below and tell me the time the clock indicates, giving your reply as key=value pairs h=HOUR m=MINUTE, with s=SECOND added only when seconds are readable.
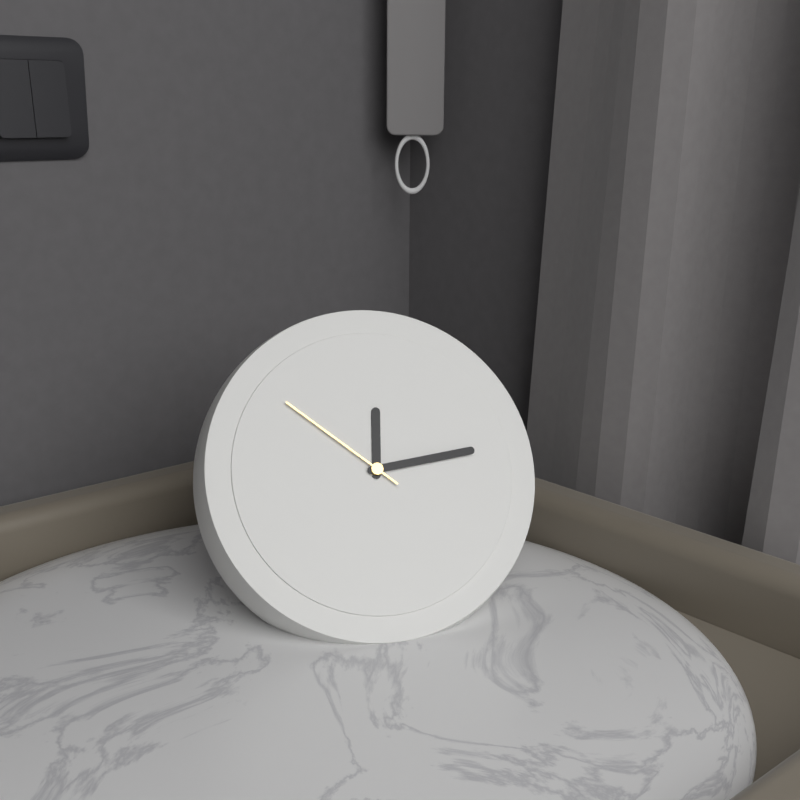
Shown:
h=12 m=14 s=52
